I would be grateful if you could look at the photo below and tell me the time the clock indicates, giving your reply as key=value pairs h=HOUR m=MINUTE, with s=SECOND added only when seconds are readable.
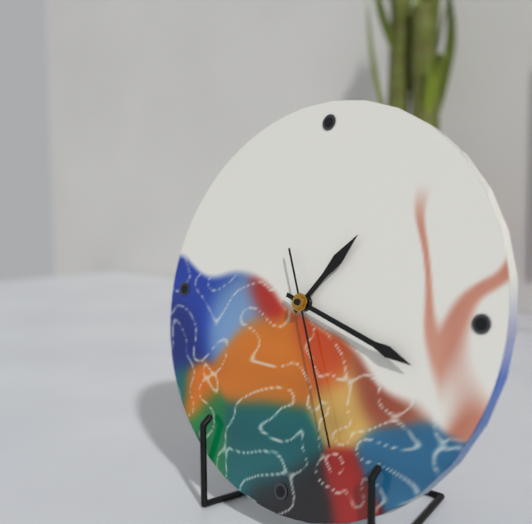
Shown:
h=1 m=18 s=26
